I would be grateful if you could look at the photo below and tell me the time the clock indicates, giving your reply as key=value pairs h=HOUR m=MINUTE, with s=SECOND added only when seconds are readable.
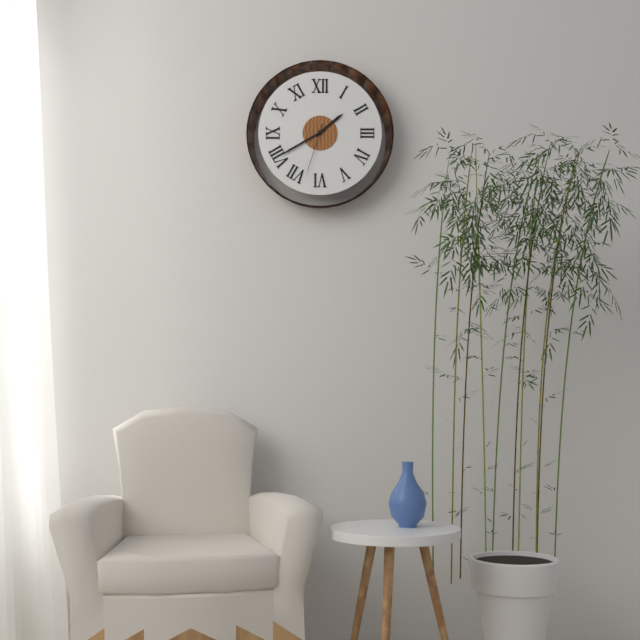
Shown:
h=1 m=40 s=33
